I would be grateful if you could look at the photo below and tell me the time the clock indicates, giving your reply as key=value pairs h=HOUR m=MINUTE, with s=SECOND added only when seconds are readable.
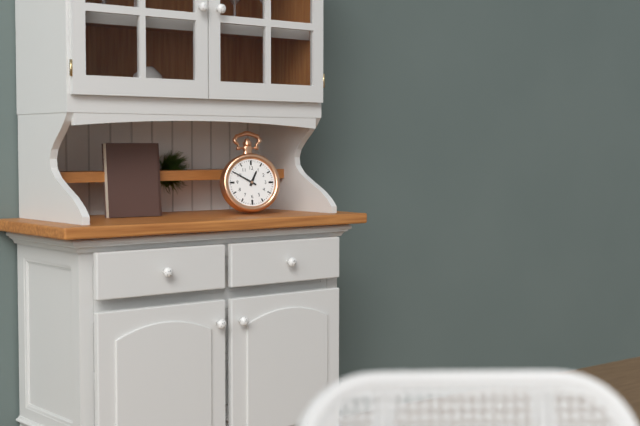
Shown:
h=12 m=50
